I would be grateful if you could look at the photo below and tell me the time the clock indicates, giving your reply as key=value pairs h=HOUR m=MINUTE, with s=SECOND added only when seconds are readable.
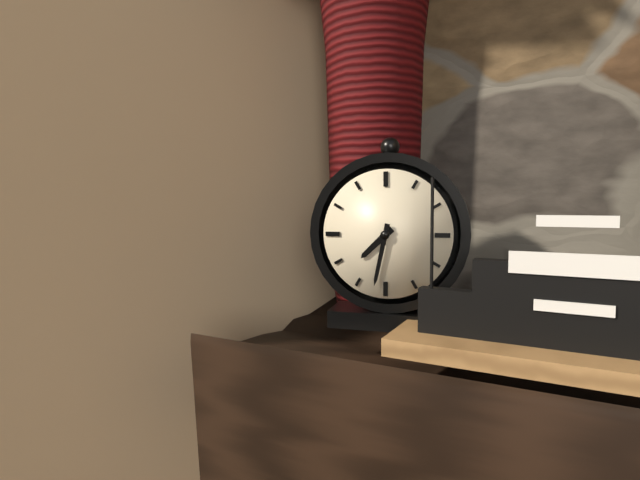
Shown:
h=7 m=32
